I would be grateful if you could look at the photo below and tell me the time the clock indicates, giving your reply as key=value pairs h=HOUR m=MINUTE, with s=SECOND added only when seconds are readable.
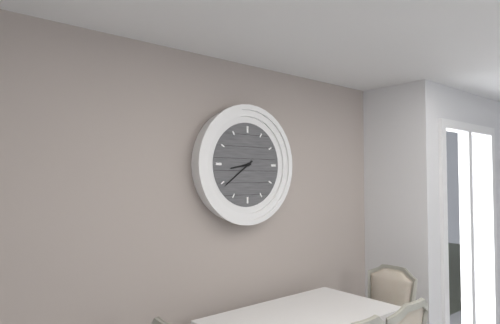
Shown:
h=8 m=39
